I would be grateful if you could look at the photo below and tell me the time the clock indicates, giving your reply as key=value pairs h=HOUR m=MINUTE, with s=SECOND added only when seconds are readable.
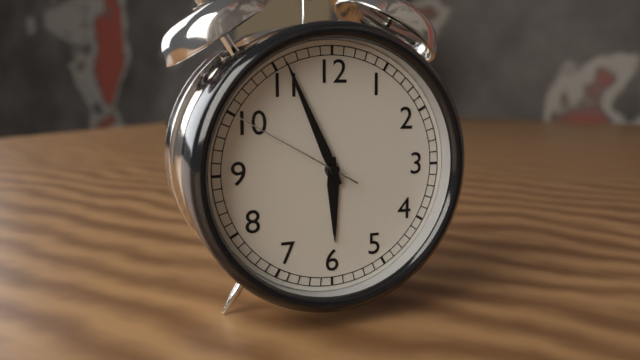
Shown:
h=5 m=56 s=50
